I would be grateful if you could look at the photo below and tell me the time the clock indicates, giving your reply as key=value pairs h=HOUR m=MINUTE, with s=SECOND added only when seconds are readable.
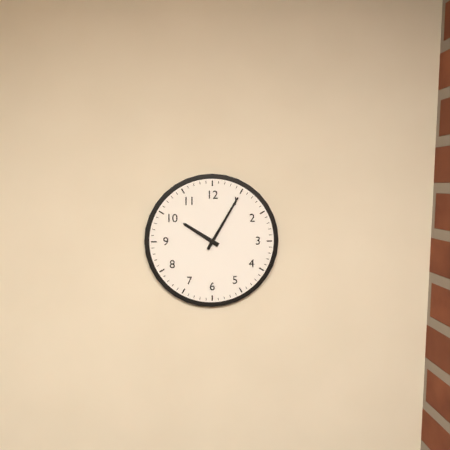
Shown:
h=10 m=5
